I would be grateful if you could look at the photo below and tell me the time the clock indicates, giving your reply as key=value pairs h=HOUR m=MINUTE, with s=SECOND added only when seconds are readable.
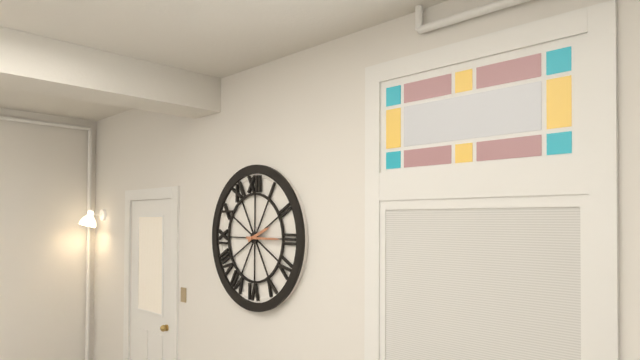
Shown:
h=2 m=15
